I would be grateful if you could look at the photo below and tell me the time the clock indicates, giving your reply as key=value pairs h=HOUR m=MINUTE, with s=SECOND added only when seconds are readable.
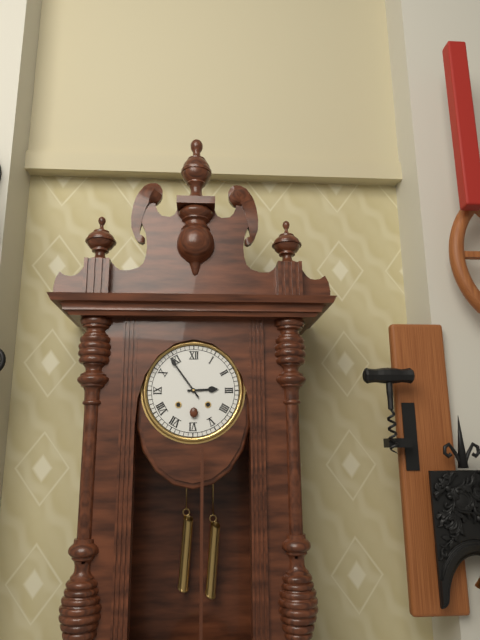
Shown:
h=2 m=54
